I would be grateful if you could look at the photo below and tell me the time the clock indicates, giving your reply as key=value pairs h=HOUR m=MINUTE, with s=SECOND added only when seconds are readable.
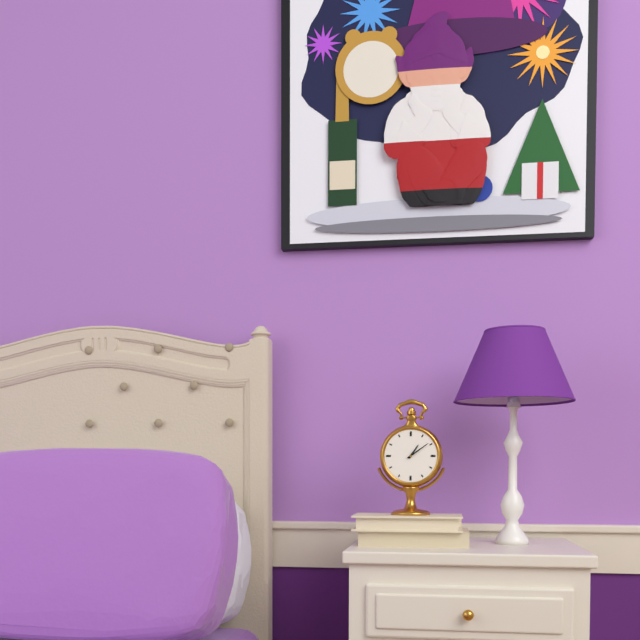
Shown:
h=1 m=9
